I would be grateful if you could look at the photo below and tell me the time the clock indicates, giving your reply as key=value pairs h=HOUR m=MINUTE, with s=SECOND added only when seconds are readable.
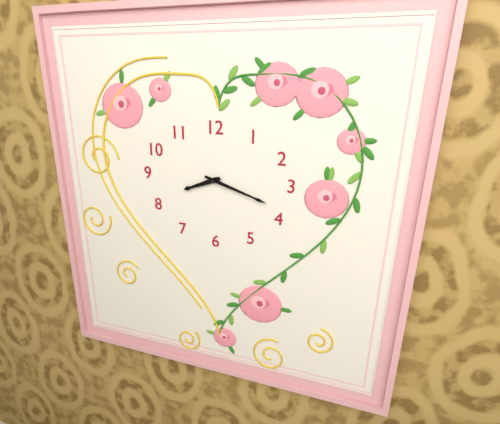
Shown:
h=8 m=18
